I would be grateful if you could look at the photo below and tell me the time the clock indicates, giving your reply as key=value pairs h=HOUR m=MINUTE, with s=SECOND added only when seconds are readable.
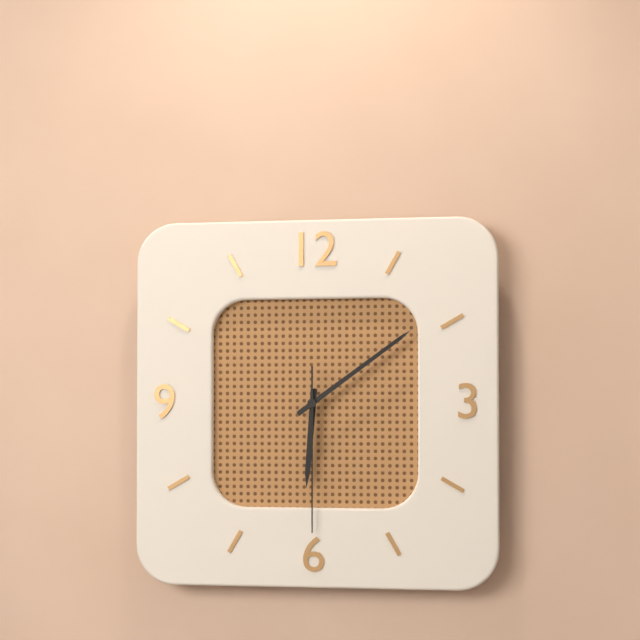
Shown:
h=6 m=9 s=30
